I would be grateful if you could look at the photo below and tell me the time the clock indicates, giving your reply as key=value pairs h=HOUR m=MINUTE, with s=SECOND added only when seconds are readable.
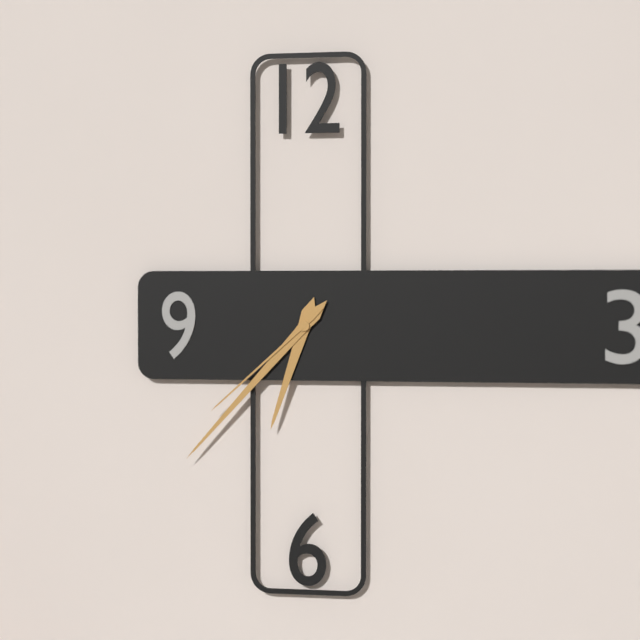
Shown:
h=6 m=37 s=38
